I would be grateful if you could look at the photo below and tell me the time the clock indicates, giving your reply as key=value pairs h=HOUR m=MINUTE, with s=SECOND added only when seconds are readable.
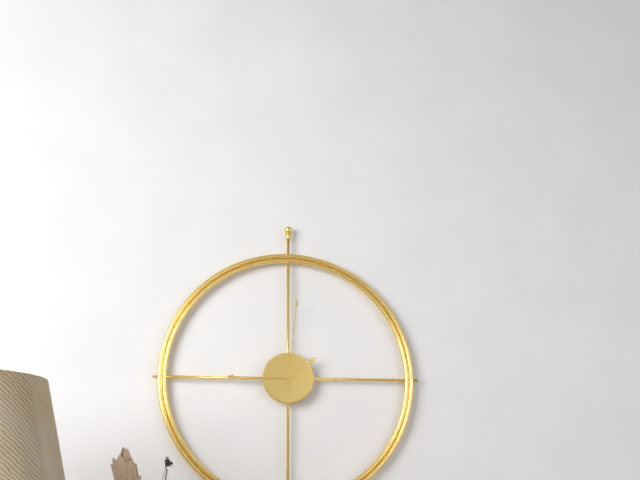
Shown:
h=1 m=45 s=1
